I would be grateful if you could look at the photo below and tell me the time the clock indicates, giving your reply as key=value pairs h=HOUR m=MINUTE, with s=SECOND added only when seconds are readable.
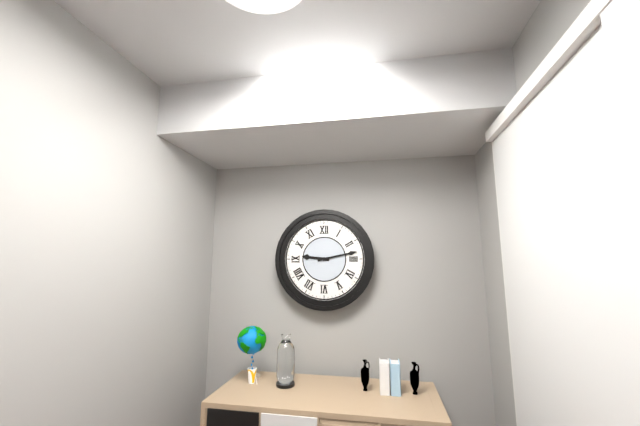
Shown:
h=9 m=13
